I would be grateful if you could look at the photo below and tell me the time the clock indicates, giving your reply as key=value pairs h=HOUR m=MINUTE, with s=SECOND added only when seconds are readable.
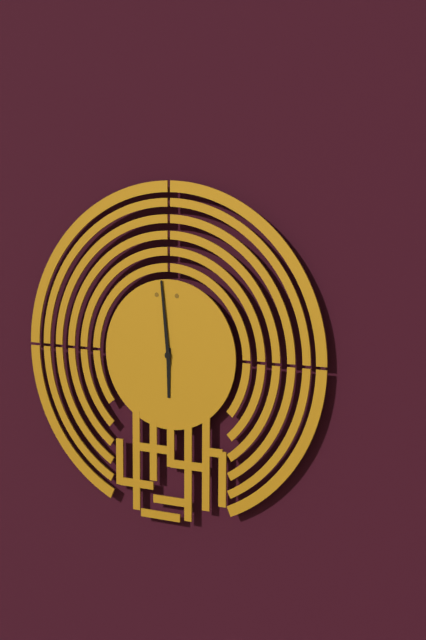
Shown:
h=5 m=59
